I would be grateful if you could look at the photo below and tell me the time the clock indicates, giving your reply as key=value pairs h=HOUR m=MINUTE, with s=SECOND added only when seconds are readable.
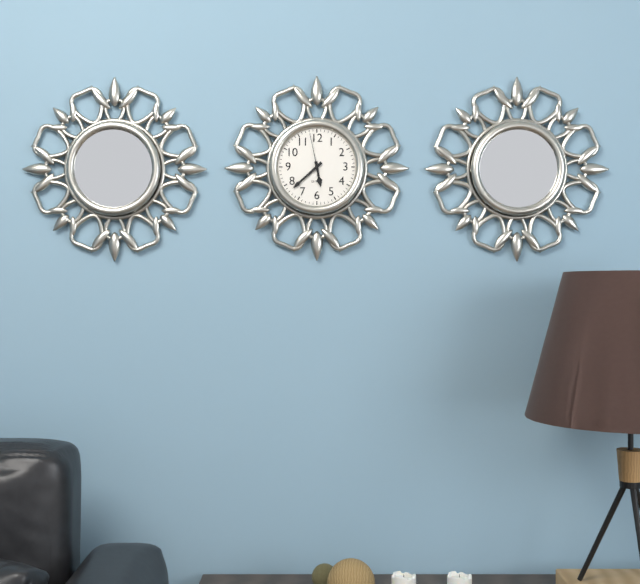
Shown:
h=5 m=38
